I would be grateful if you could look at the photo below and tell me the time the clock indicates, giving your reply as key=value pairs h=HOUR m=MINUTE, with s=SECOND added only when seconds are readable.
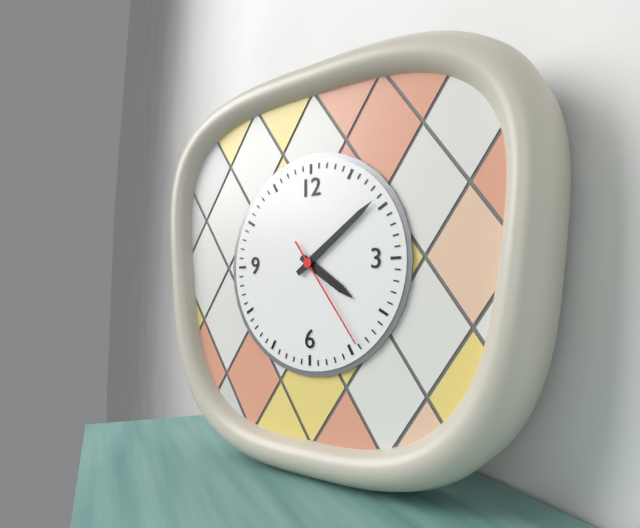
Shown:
h=4 m=9 s=24
